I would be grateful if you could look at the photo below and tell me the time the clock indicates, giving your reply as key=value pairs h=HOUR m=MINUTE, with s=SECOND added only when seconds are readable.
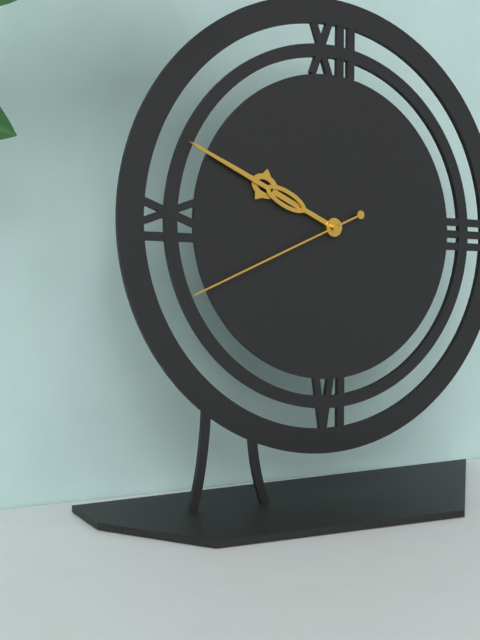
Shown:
h=9 m=49 s=41
